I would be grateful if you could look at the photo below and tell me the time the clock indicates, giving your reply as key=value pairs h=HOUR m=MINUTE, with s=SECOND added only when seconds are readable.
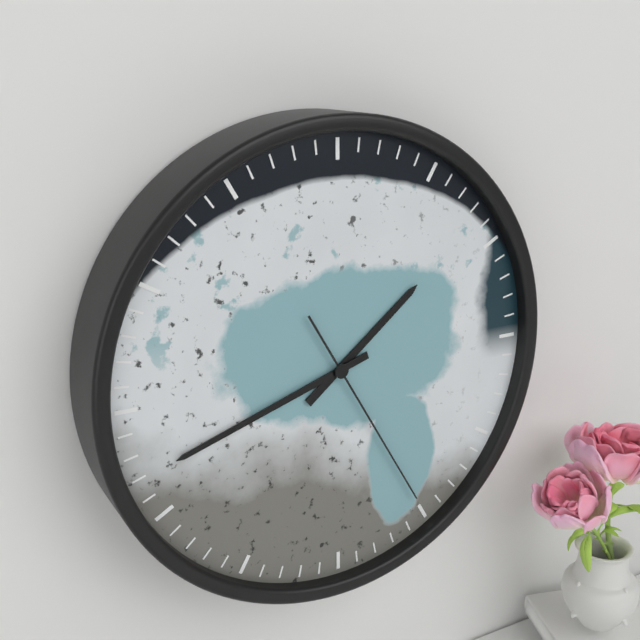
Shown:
h=1 m=42 s=25
